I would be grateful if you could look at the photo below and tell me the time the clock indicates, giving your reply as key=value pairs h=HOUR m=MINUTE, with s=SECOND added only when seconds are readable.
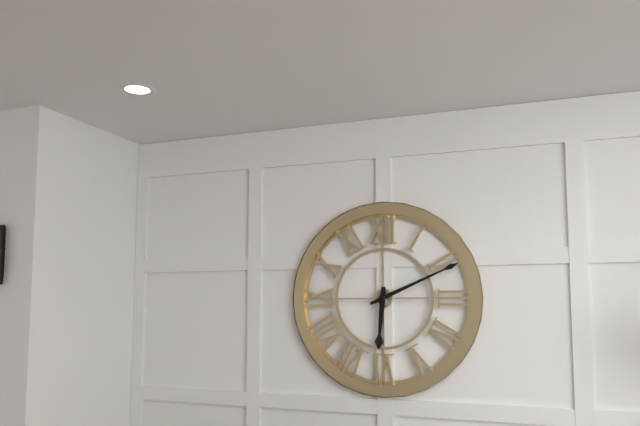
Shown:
h=6 m=11
